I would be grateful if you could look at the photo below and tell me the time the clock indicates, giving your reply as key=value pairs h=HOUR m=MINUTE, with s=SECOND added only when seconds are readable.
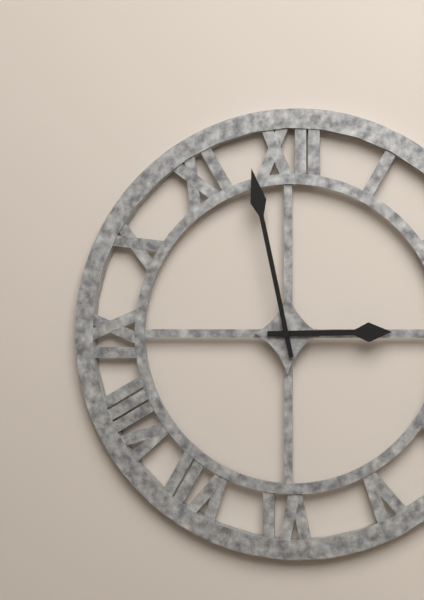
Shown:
h=2 m=58
